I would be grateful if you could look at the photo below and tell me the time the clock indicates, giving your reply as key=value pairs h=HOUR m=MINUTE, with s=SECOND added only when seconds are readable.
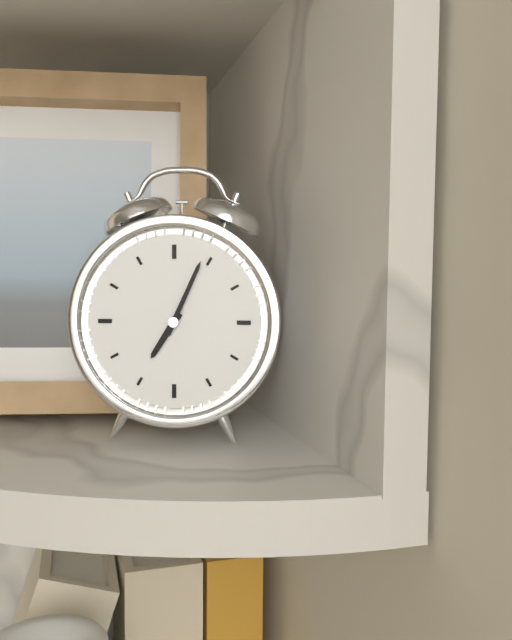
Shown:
h=7 m=4
